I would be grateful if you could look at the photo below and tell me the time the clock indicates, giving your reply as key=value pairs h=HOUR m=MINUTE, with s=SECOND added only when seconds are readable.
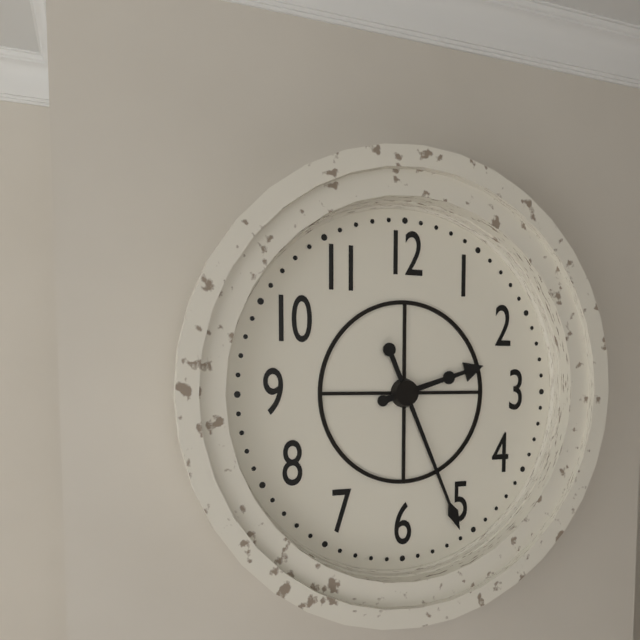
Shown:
h=2 m=26
